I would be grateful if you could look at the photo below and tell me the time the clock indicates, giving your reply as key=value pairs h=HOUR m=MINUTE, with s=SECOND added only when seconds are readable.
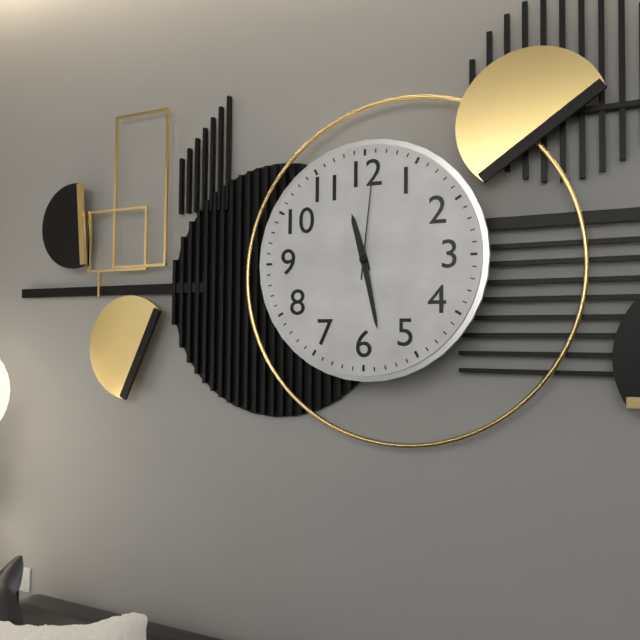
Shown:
h=11 m=28 s=1
